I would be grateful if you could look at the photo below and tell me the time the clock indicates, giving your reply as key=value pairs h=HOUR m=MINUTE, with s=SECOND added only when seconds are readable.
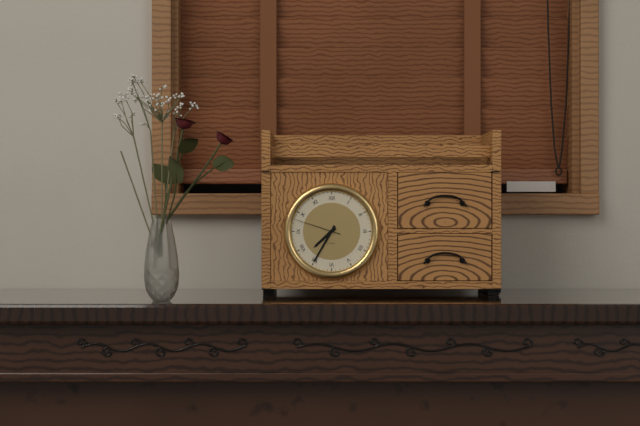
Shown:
h=7 m=35
